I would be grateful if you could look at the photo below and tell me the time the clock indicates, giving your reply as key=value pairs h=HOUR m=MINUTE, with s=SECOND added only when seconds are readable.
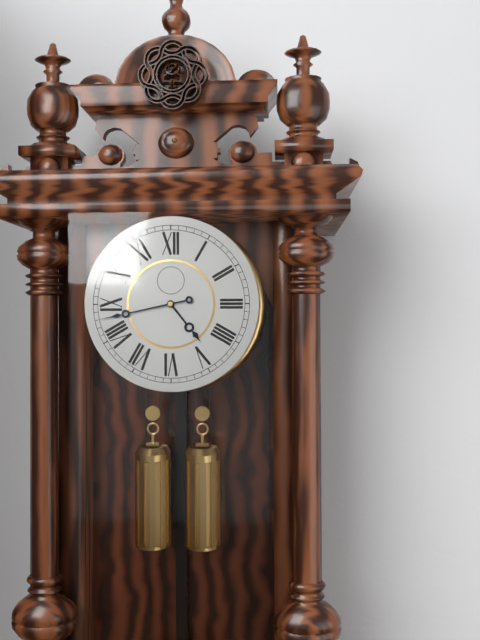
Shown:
h=4 m=43
